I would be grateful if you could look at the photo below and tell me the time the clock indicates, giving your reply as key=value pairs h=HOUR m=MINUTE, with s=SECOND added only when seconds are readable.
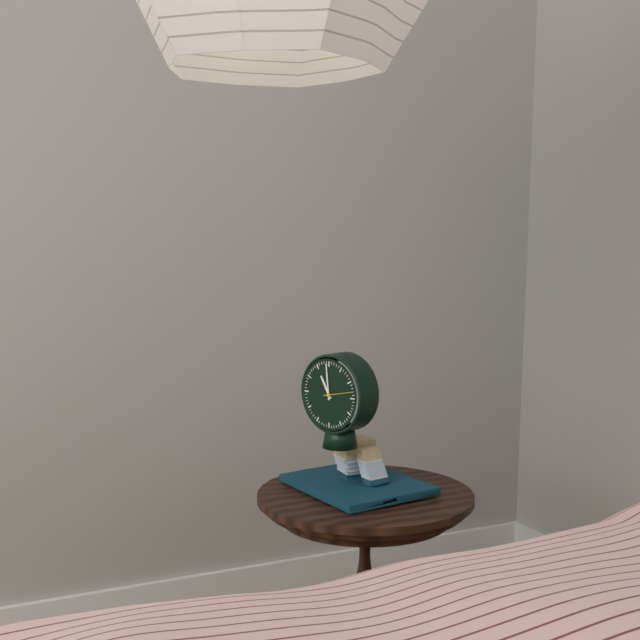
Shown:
h=10 m=59
